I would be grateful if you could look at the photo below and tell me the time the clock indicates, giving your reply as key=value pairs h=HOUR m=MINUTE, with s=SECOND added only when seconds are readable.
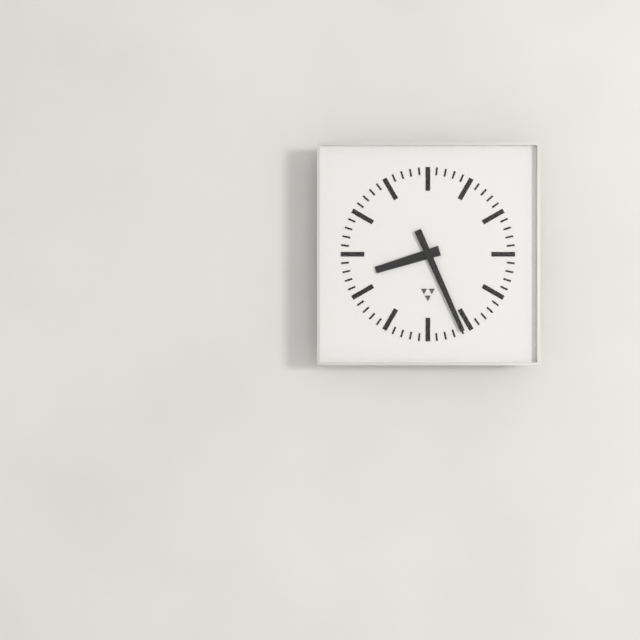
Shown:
h=8 m=26
